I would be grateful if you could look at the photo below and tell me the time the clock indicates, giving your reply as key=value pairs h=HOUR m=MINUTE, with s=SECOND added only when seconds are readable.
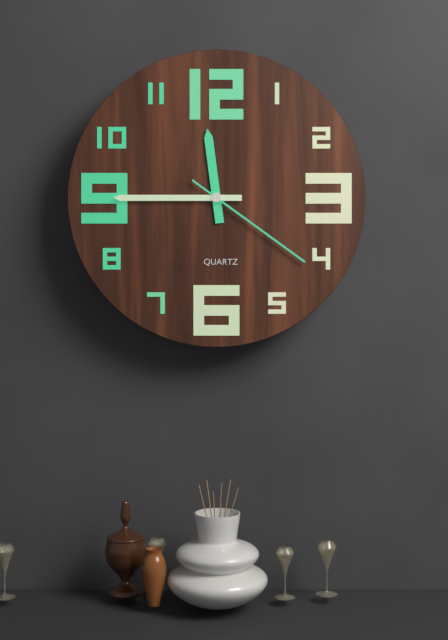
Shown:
h=11 m=45 s=21
